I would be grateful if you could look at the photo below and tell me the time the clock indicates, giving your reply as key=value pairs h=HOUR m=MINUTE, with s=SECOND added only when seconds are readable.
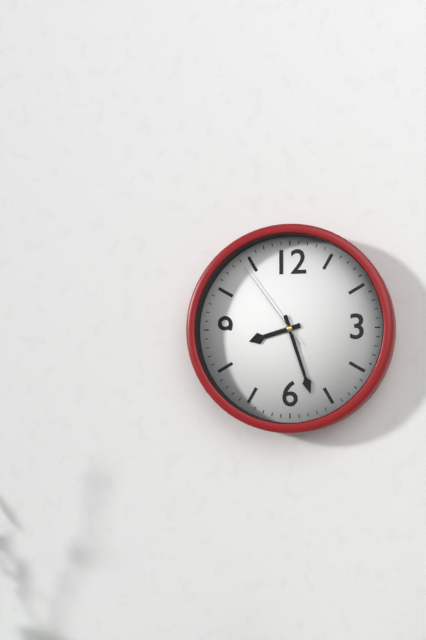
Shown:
h=8 m=27 s=54
